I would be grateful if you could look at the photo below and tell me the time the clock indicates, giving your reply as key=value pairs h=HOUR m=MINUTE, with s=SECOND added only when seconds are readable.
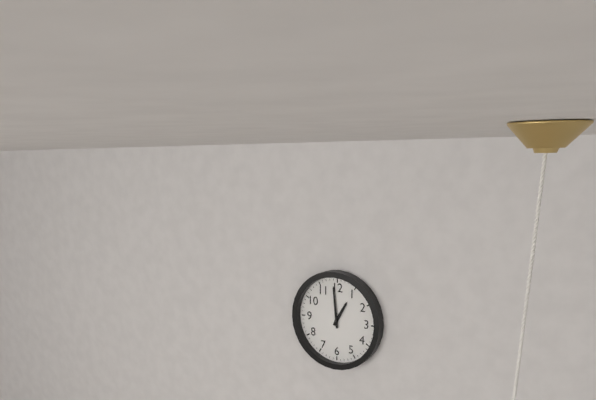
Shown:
h=12 m=59
